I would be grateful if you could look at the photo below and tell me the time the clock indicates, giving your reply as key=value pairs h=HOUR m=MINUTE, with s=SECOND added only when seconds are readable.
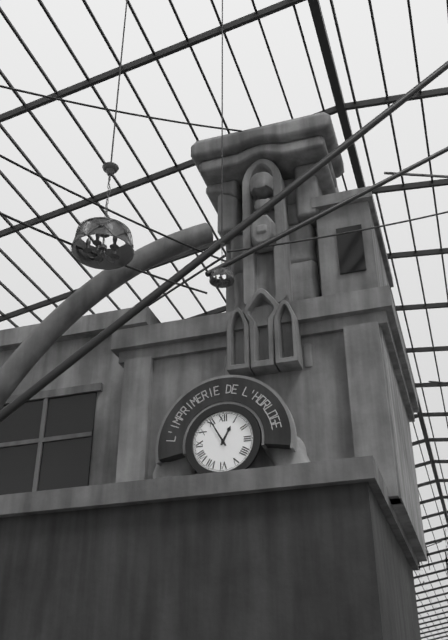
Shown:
h=12 m=55
